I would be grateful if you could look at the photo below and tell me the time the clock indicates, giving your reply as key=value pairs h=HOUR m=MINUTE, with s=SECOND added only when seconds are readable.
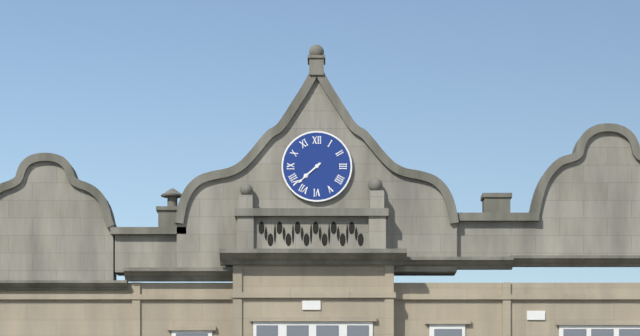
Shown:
h=7 m=38
